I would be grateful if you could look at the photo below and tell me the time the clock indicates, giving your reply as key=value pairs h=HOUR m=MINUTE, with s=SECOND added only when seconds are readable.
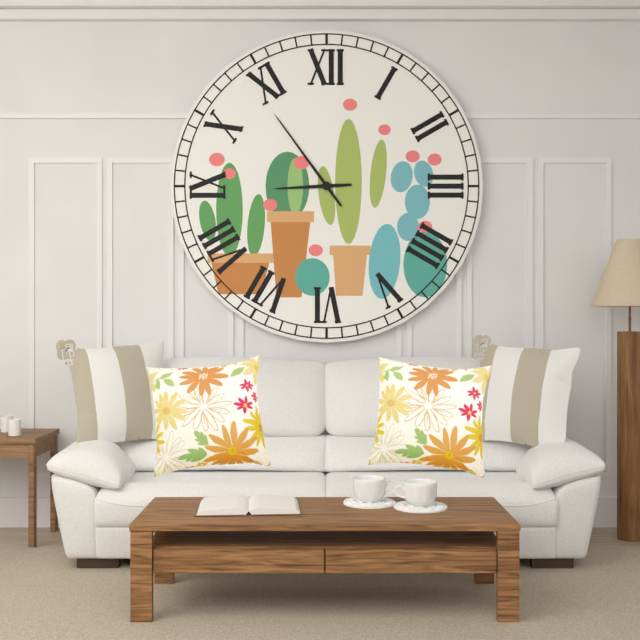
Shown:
h=8 m=54
